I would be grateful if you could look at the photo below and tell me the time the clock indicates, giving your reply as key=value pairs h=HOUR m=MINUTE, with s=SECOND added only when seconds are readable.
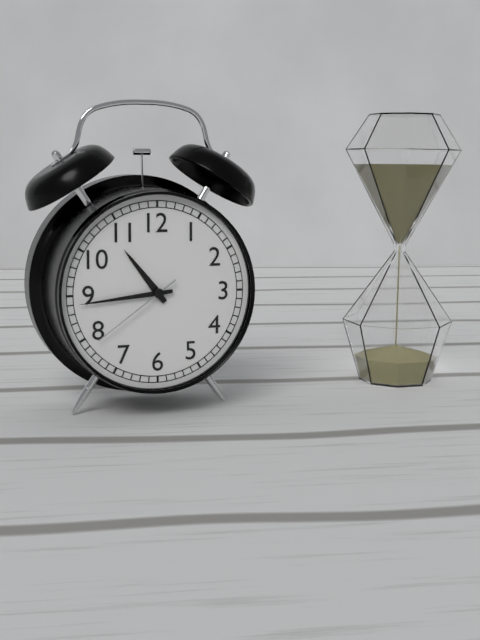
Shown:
h=10 m=44 s=39
